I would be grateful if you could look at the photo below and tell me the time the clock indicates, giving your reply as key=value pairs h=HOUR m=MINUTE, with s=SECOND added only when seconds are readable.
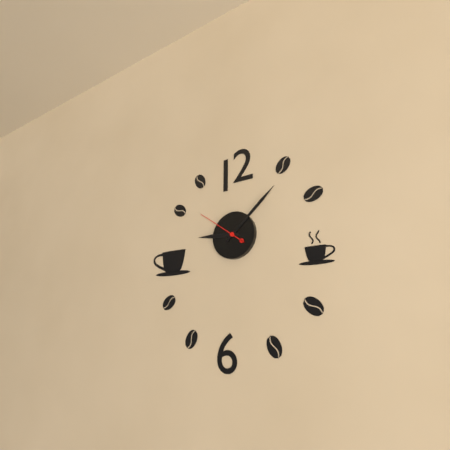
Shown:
h=9 m=8 s=51
